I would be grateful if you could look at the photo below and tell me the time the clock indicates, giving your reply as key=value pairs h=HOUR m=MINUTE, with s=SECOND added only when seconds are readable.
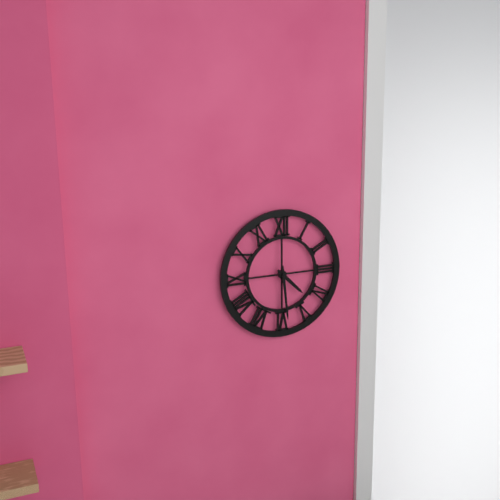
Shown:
h=4 m=29
